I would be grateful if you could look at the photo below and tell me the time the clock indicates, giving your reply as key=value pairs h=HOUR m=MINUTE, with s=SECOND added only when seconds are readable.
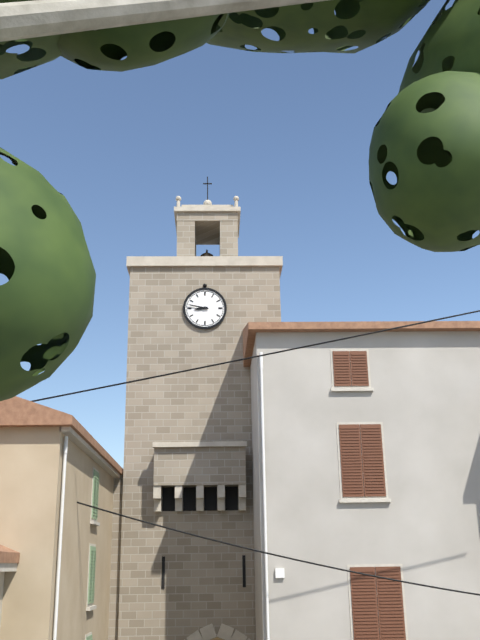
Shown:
h=8 m=47
